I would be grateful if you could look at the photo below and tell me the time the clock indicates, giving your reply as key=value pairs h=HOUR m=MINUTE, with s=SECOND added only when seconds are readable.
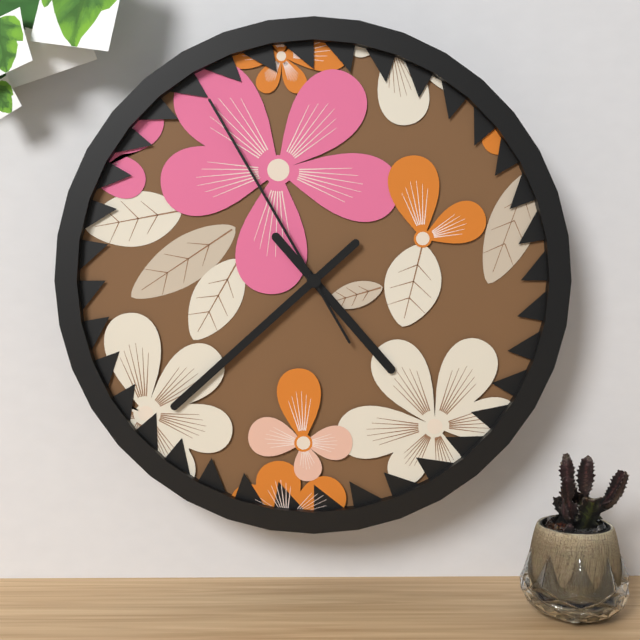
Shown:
h=4 m=38 s=55
